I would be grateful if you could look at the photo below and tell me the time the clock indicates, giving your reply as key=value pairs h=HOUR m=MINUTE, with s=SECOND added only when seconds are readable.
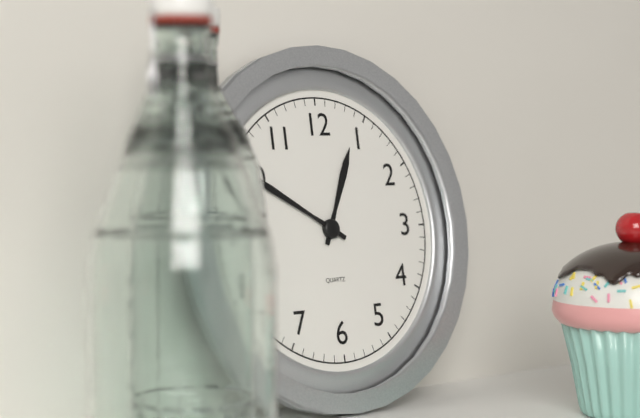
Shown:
h=12 m=50
